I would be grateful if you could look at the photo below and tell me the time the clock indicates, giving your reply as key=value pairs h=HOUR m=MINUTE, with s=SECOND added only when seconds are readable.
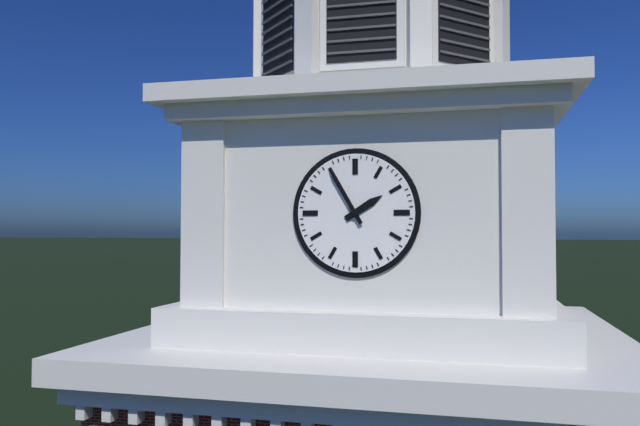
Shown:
h=1 m=55
